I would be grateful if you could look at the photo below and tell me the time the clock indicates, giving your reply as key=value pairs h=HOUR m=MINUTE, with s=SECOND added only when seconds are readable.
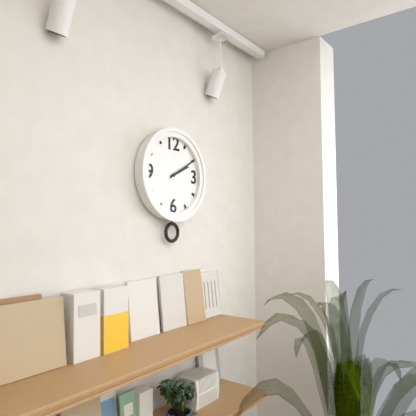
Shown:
h=2 m=10
